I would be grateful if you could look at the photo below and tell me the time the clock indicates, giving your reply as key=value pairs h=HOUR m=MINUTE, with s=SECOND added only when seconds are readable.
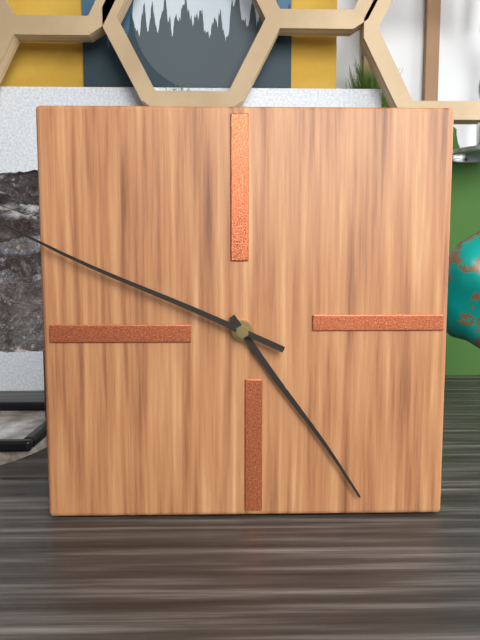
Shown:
h=4 m=49
